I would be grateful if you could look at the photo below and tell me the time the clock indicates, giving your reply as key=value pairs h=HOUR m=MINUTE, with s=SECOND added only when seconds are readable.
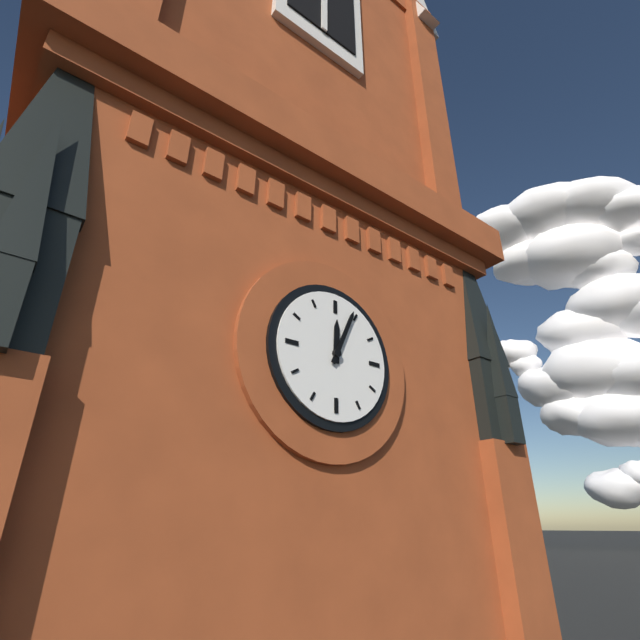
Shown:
h=12 m=4
